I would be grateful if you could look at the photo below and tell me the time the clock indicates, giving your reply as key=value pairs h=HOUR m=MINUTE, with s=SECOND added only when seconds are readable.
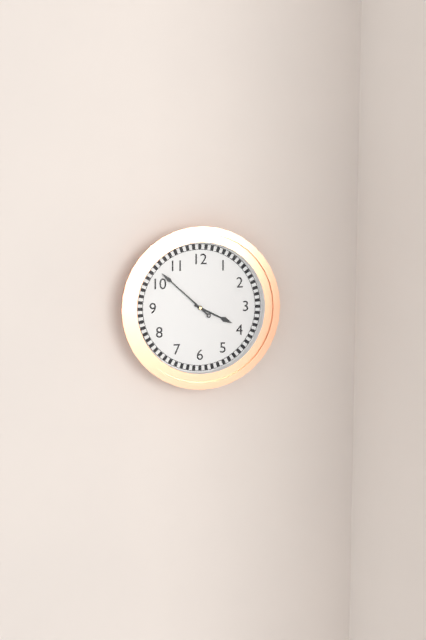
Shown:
h=3 m=52
